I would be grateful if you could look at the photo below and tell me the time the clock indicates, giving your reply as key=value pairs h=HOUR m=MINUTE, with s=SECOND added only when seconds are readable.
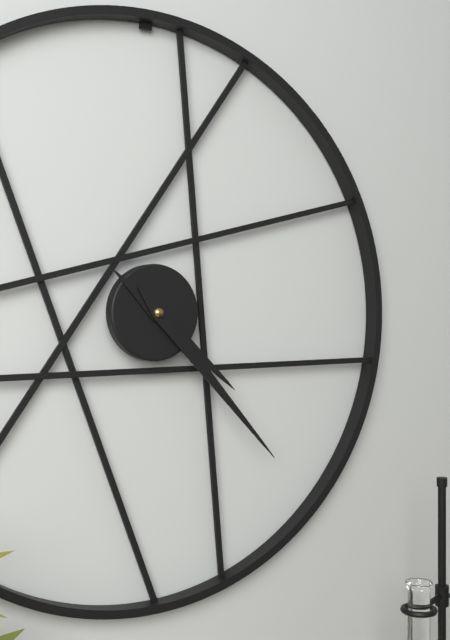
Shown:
h=4 m=23
